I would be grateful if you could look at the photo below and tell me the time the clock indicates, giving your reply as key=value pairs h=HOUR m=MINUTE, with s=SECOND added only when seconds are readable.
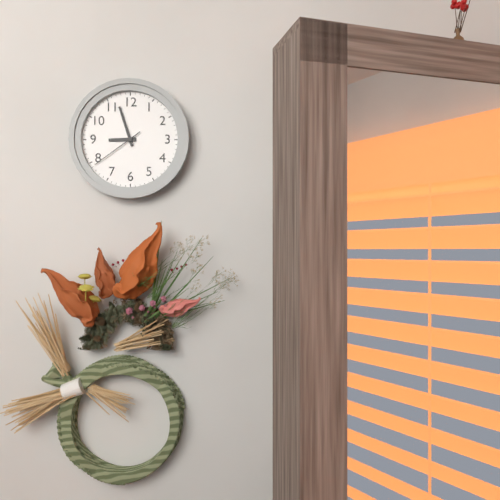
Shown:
h=8 m=57 s=39
